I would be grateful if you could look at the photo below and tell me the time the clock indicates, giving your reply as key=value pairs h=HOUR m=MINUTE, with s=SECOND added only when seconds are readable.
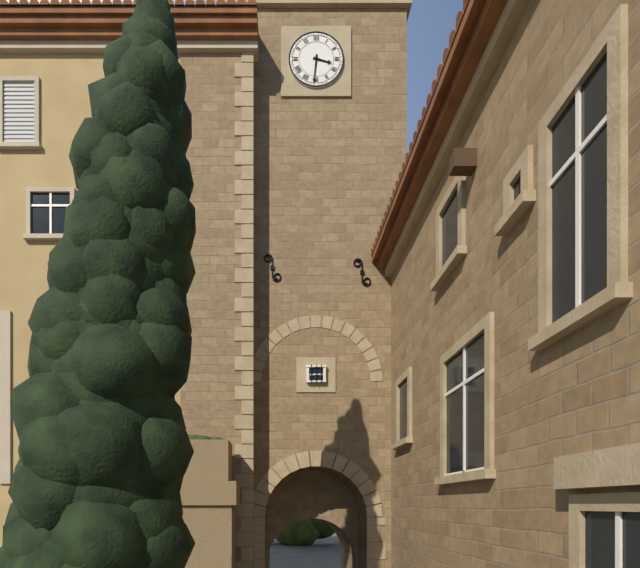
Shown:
h=3 m=31
